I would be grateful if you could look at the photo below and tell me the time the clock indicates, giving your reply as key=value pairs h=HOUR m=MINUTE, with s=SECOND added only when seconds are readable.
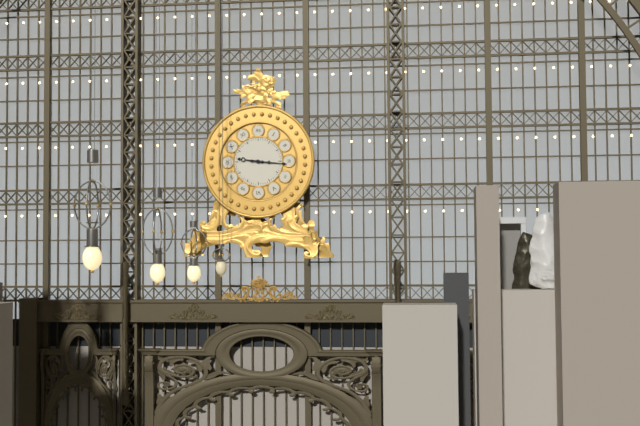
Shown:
h=9 m=16
